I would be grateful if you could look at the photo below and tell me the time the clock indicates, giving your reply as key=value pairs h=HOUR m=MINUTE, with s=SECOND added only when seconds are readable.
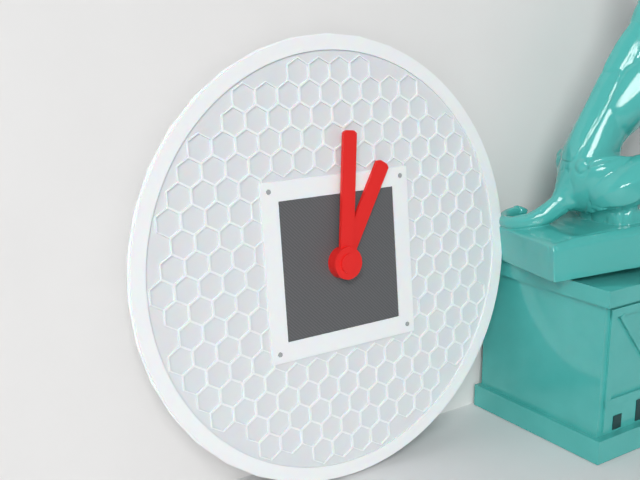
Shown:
h=1 m=1
